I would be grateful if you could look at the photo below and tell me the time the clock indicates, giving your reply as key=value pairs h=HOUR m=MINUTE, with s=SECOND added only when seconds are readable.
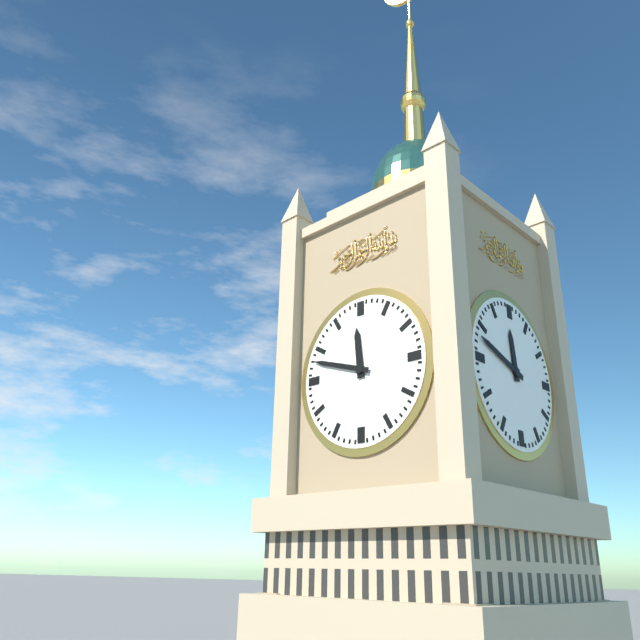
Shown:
h=11 m=48
